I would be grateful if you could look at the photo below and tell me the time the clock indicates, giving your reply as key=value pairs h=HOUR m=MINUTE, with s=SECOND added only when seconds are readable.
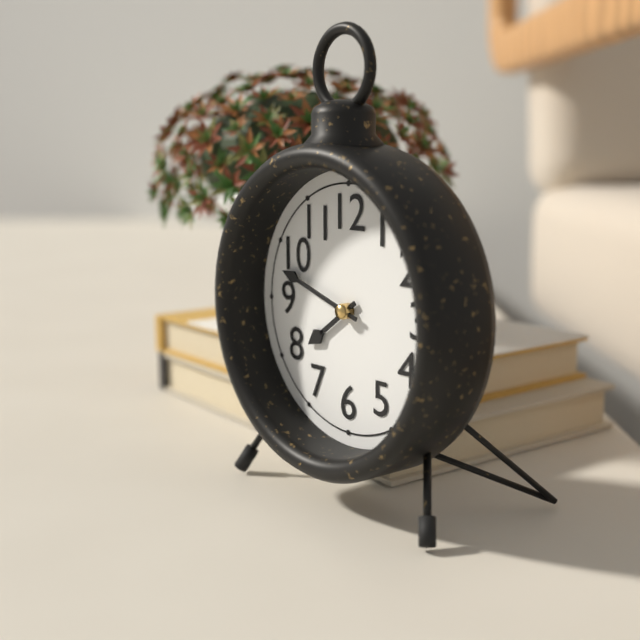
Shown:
h=7 m=48
